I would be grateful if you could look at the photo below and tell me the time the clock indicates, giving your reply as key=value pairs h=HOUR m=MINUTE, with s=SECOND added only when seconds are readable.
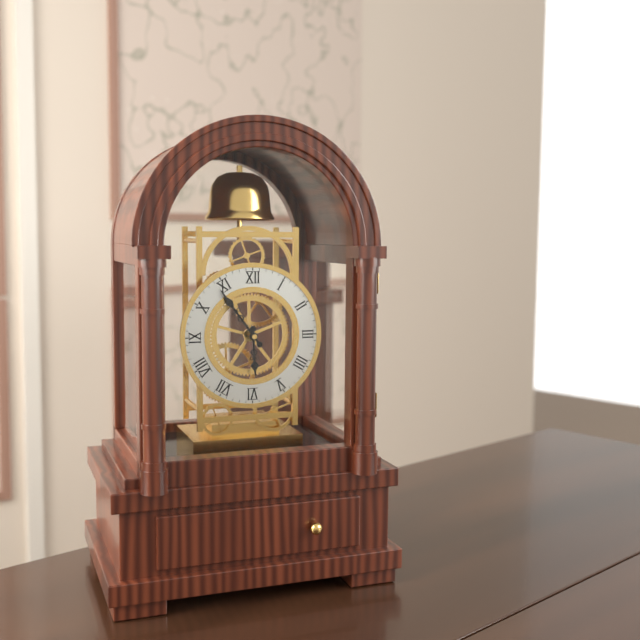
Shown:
h=5 m=54
